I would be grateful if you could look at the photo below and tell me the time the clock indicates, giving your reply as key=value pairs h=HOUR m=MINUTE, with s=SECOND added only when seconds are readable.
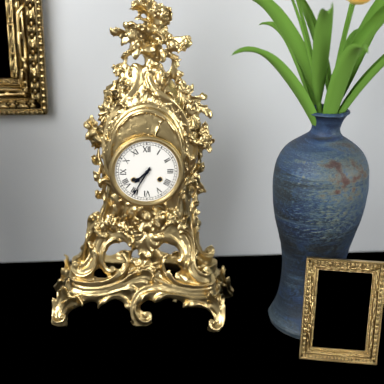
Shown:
h=7 m=35
